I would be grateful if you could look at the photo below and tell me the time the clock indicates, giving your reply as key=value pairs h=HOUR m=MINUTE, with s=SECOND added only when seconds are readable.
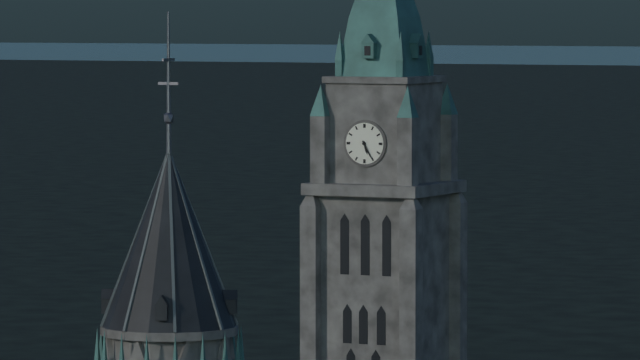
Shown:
h=5 m=25
